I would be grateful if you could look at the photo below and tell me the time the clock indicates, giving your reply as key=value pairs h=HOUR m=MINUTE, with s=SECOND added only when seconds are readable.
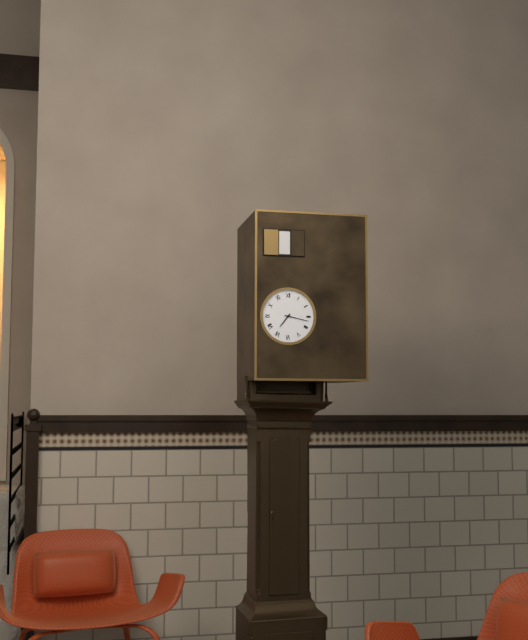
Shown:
h=7 m=17
